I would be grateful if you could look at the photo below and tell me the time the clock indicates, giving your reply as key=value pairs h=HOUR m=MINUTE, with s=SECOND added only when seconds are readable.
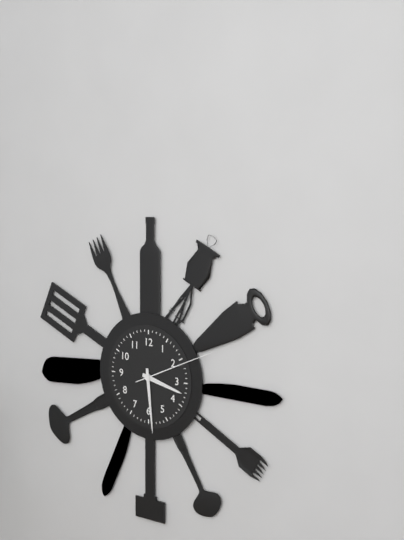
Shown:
h=3 m=29 s=11
